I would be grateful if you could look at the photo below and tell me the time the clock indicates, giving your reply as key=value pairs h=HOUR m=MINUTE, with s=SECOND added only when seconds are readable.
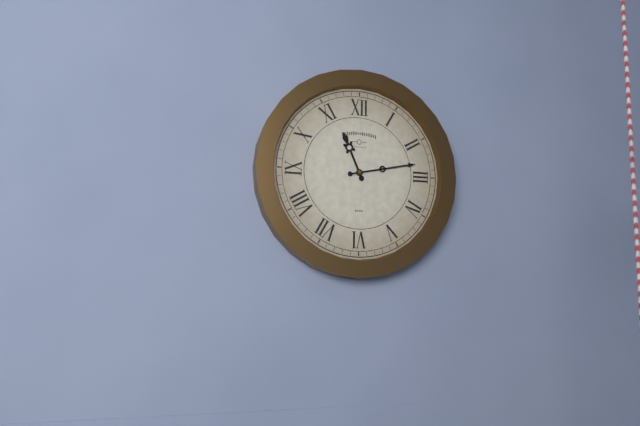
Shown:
h=11 m=13
